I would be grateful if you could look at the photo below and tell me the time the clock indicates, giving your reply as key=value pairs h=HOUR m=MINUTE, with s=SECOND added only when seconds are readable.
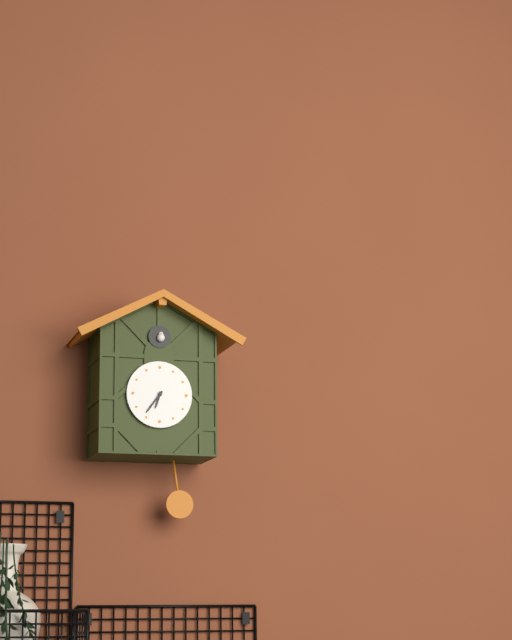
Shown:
h=6 m=36
